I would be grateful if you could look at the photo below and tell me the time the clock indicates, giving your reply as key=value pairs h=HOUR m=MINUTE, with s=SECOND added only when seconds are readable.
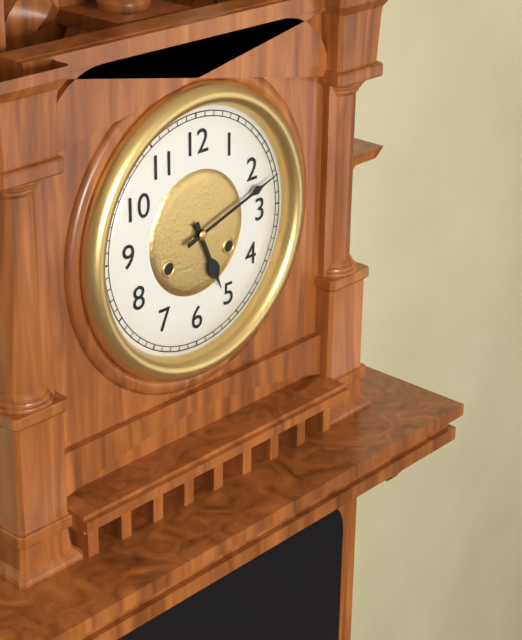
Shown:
h=5 m=12
